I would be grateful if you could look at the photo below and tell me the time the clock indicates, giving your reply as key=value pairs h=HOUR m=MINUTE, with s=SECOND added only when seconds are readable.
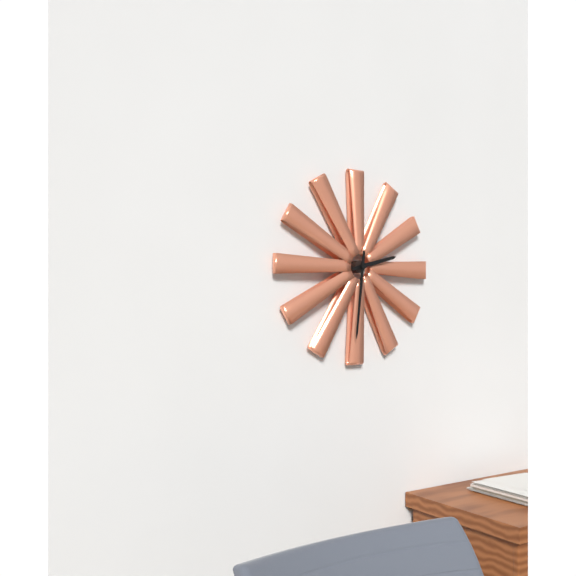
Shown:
h=2 m=31
